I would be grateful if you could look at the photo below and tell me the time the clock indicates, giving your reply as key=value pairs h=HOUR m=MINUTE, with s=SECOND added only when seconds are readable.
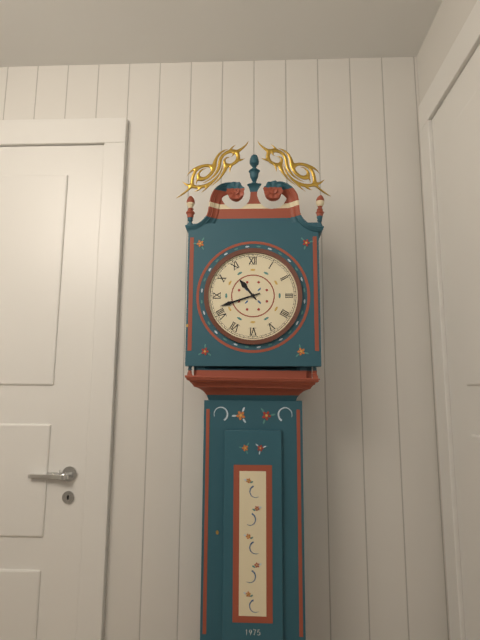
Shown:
h=10 m=42
